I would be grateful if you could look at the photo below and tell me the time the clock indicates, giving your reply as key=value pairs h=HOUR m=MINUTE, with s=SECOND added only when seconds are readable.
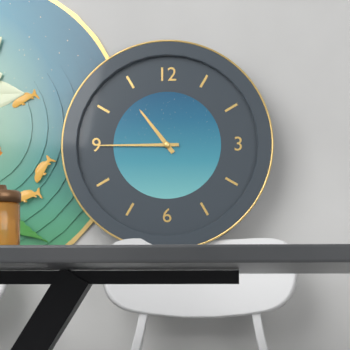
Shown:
h=10 m=45
